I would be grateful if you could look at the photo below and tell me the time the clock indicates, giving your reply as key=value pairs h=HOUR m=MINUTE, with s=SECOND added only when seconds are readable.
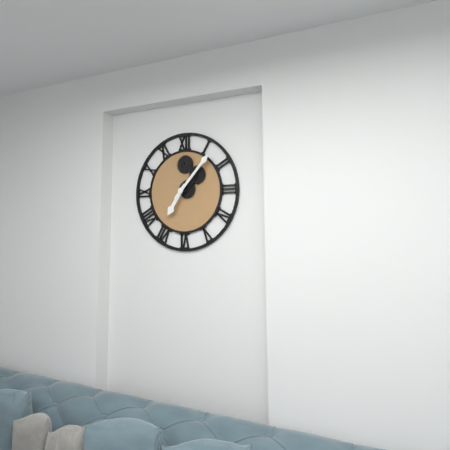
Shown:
h=7 m=7
